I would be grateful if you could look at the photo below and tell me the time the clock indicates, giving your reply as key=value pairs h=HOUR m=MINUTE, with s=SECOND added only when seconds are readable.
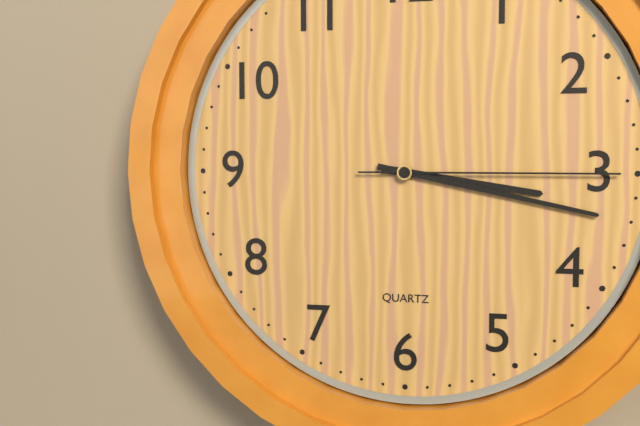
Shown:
h=3 m=17 s=15
